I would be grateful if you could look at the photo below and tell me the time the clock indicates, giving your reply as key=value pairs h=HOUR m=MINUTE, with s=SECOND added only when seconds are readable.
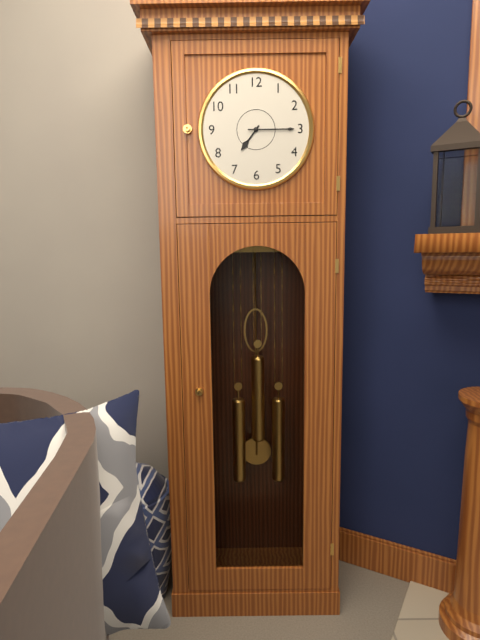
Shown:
h=7 m=15
